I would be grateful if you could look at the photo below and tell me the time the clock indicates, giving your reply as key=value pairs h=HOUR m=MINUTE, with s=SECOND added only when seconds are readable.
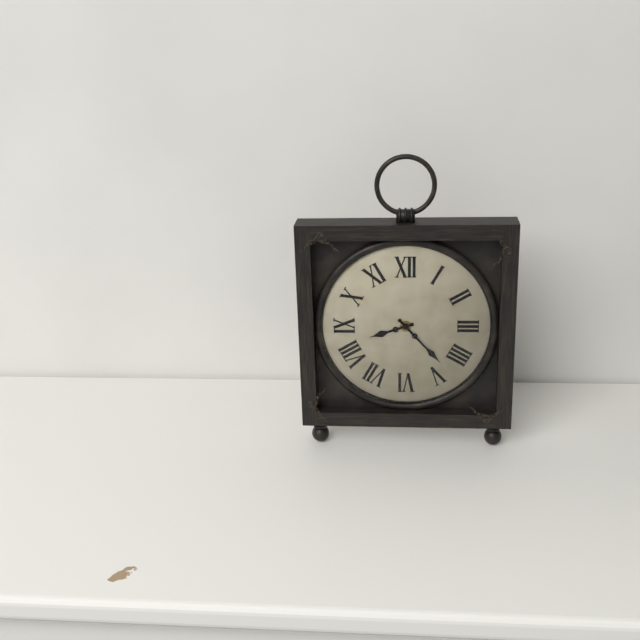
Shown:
h=8 m=23
